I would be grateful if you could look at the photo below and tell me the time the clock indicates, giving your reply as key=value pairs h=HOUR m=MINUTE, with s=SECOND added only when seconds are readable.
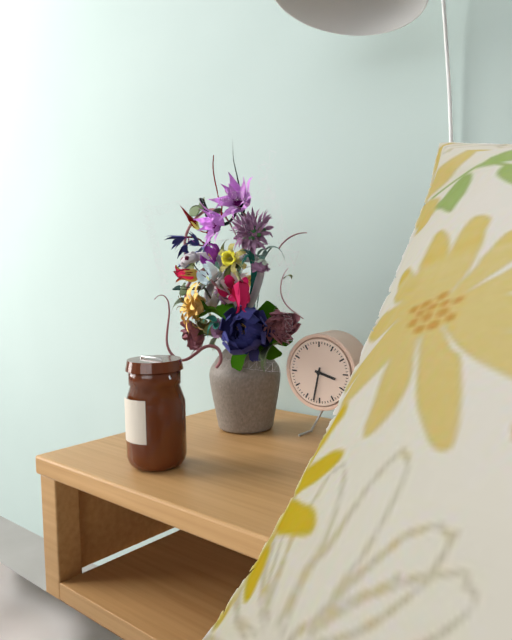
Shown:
h=3 m=32
